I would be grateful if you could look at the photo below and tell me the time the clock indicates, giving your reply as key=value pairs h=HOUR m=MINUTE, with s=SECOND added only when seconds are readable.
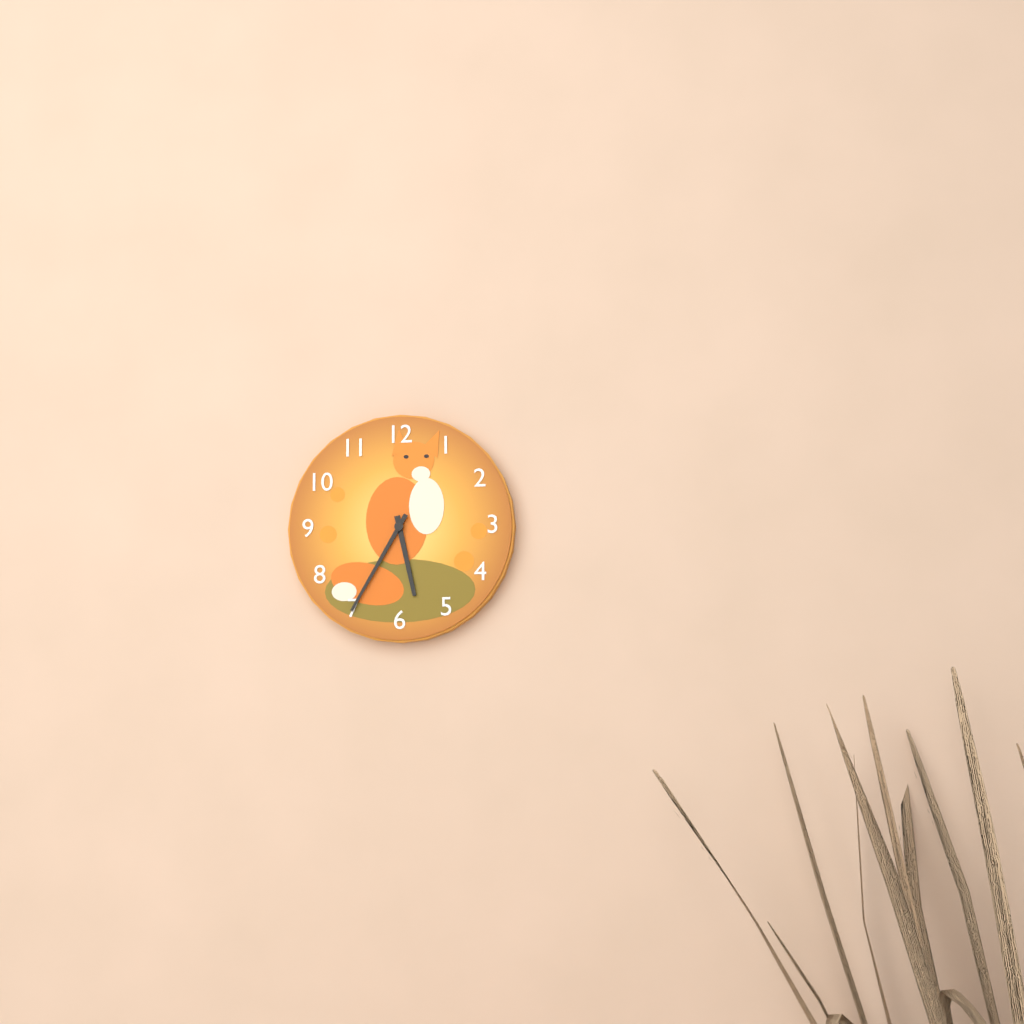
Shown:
h=5 m=35
